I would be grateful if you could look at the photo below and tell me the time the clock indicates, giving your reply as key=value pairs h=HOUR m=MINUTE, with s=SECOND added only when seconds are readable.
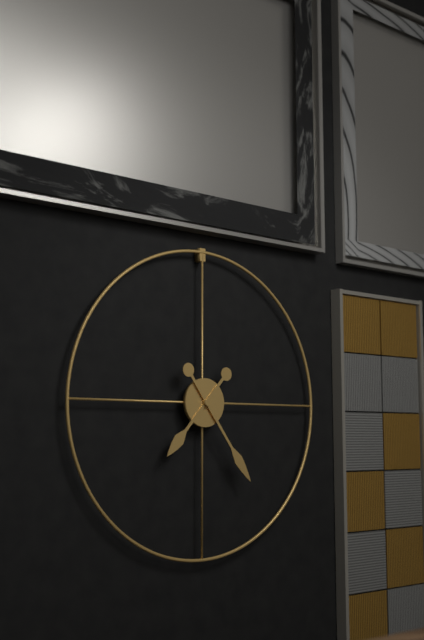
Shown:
h=7 m=24
